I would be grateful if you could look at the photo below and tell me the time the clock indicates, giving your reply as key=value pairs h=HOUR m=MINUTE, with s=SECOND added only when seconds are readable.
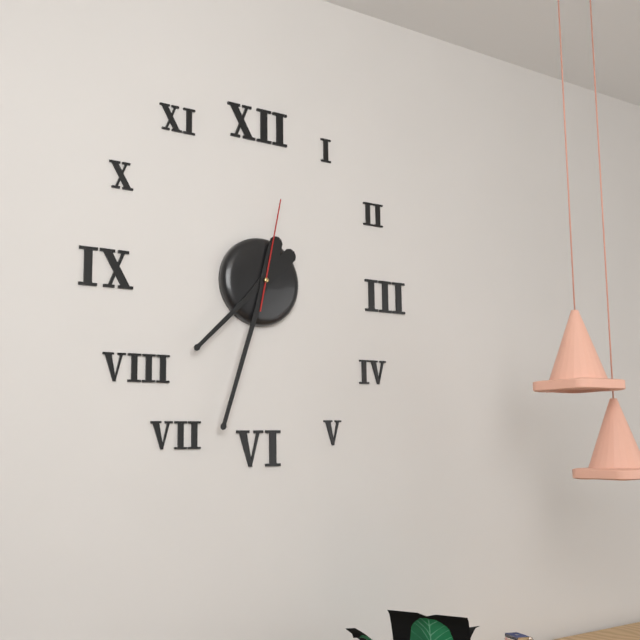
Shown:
h=7 m=33 s=2
